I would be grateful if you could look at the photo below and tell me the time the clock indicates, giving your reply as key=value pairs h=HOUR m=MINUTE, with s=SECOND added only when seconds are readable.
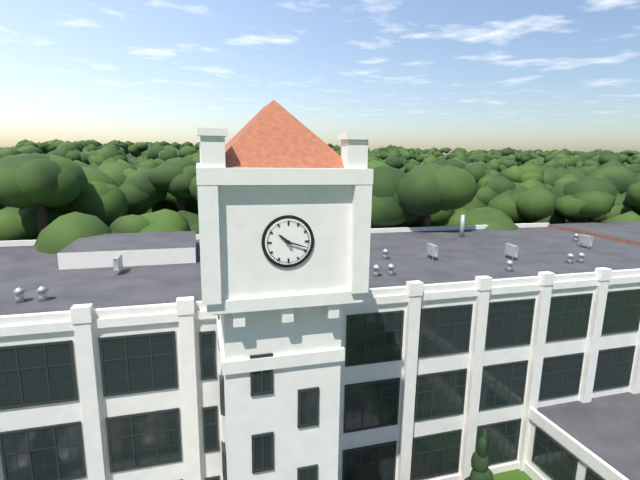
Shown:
h=10 m=18
